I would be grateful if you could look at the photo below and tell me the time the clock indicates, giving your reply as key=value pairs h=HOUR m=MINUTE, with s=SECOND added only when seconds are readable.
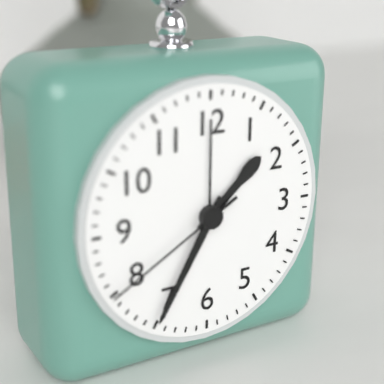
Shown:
h=1 m=35 s=40
